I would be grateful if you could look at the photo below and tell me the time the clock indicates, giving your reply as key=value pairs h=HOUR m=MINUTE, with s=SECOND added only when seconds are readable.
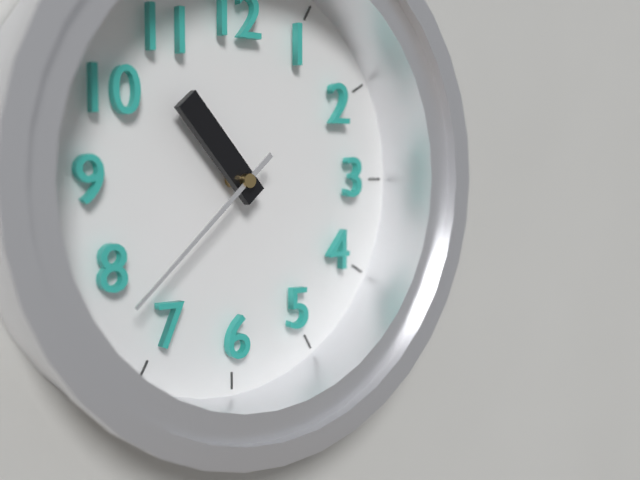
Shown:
h=10 m=38
